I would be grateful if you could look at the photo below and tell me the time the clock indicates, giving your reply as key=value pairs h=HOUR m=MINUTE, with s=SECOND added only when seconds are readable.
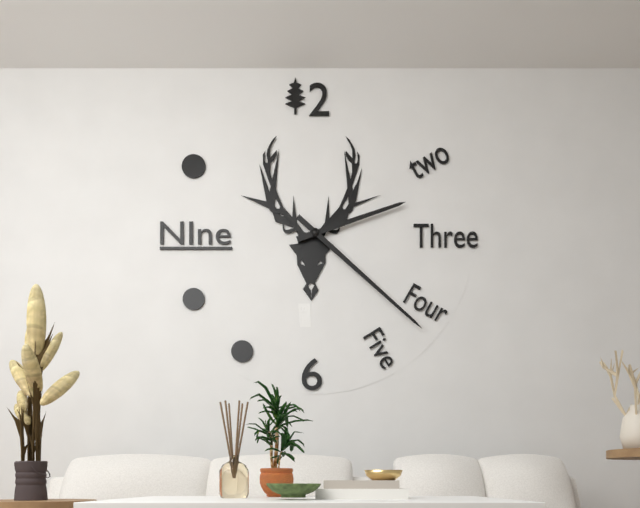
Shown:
h=2 m=22
